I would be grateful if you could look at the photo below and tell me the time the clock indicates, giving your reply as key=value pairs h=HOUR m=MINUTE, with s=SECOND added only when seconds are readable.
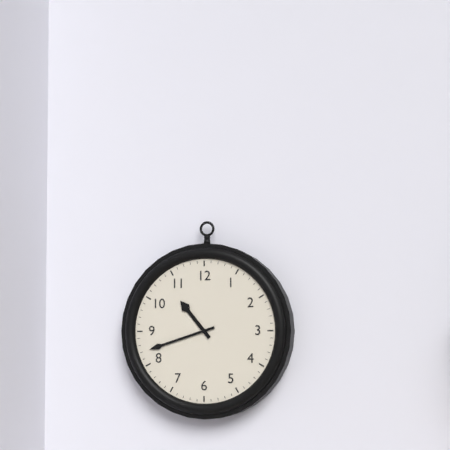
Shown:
h=10 m=42
